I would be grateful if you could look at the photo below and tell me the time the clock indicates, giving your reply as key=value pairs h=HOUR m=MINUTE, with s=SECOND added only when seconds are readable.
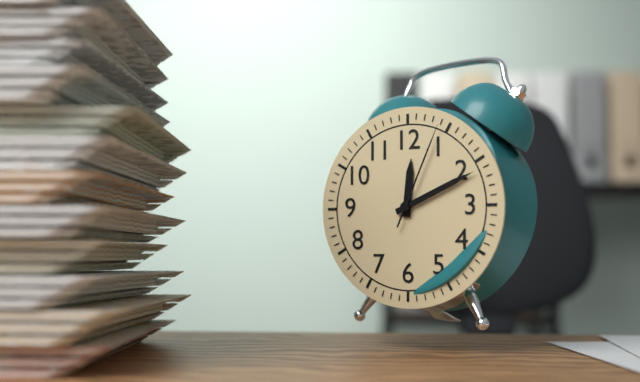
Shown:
h=12 m=11 s=4
